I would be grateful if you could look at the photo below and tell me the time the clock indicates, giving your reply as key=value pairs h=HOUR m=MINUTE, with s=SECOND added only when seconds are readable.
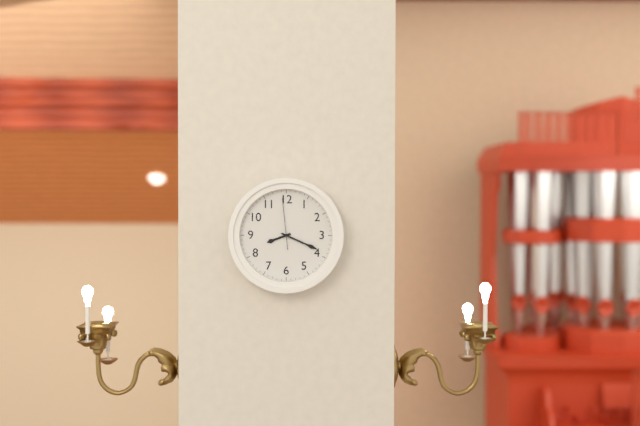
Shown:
h=8 m=19
